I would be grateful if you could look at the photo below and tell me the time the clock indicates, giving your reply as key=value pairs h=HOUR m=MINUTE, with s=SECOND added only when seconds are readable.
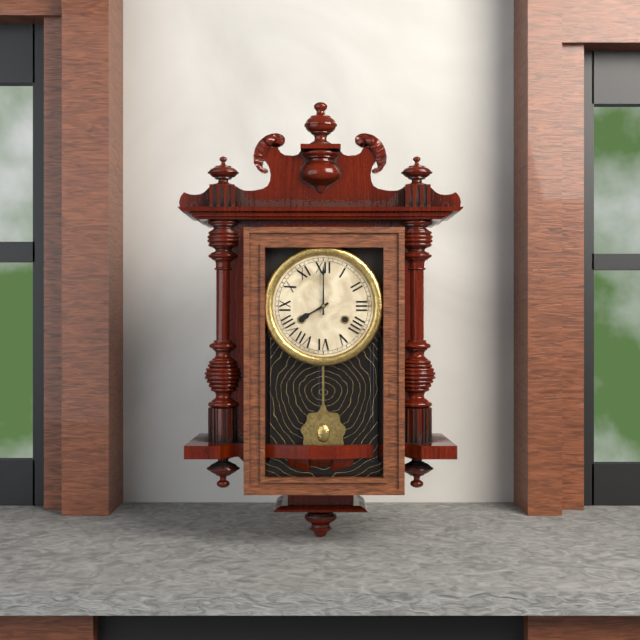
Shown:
h=8 m=0
